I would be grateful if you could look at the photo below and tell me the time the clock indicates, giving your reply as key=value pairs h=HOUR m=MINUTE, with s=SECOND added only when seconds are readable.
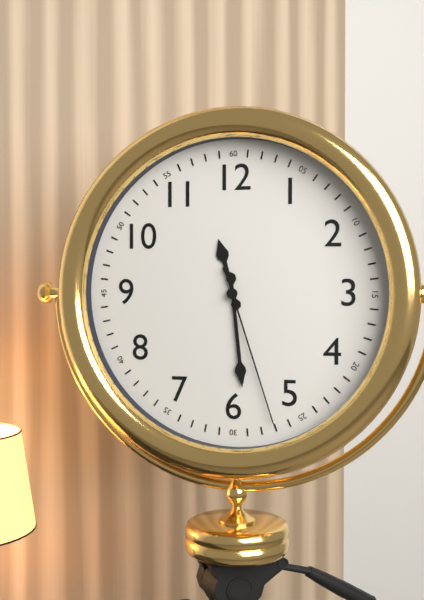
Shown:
h=11 m=29 s=27
